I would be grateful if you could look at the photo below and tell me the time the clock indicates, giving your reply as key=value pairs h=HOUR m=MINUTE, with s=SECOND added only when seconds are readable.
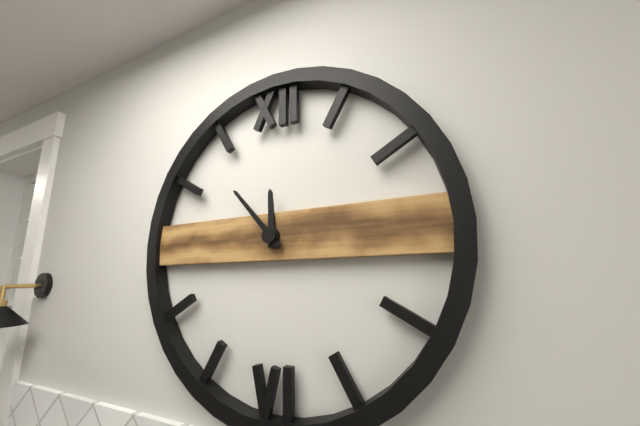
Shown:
h=11 m=53
